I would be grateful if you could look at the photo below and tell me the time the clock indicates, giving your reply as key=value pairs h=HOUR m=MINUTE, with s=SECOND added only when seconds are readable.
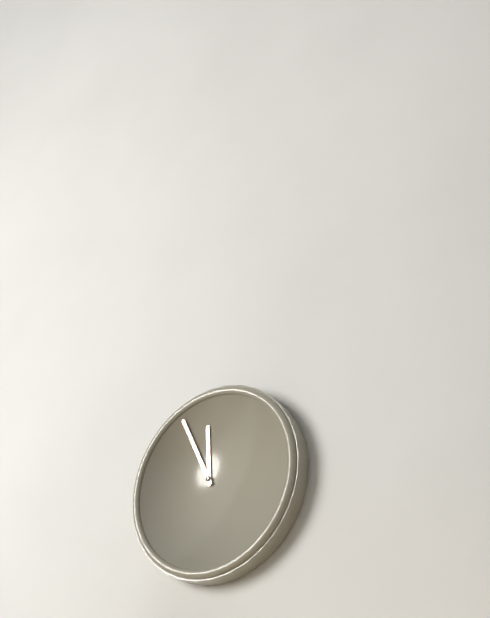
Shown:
h=11 m=56
